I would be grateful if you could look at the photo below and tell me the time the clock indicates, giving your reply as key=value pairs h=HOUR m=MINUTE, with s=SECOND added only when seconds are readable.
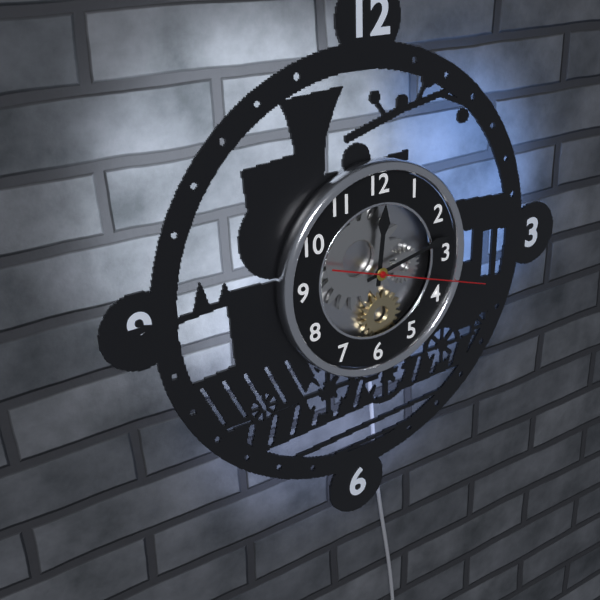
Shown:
h=12 m=13 s=18
